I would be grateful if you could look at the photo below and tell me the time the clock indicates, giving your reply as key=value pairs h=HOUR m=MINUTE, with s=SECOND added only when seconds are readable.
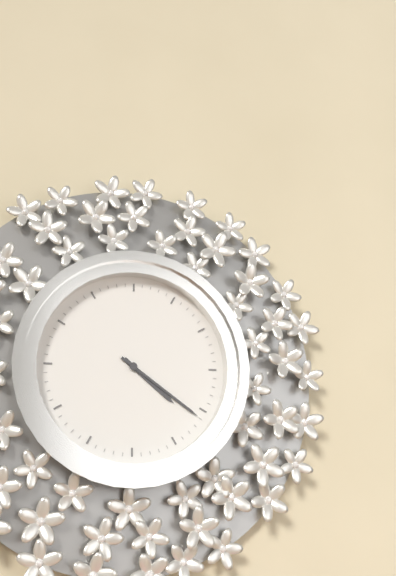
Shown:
h=4 m=21
